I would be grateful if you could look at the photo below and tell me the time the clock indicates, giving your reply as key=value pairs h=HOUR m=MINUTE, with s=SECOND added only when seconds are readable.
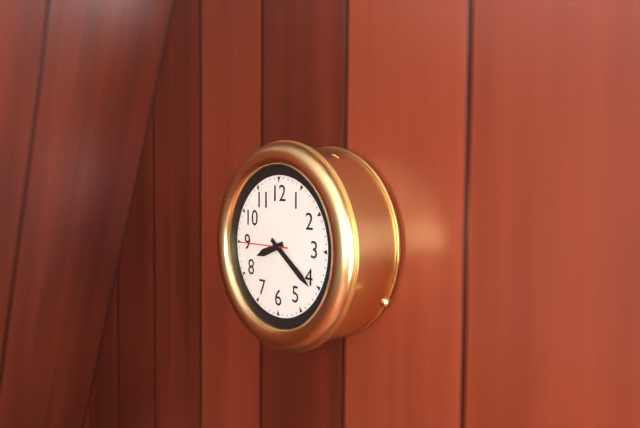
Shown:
h=8 m=21
